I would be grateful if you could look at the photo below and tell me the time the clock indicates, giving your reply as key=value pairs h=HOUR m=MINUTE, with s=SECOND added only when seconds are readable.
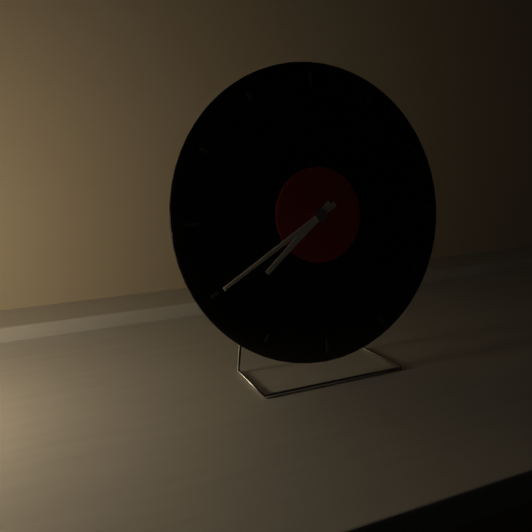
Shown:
h=7 m=40
